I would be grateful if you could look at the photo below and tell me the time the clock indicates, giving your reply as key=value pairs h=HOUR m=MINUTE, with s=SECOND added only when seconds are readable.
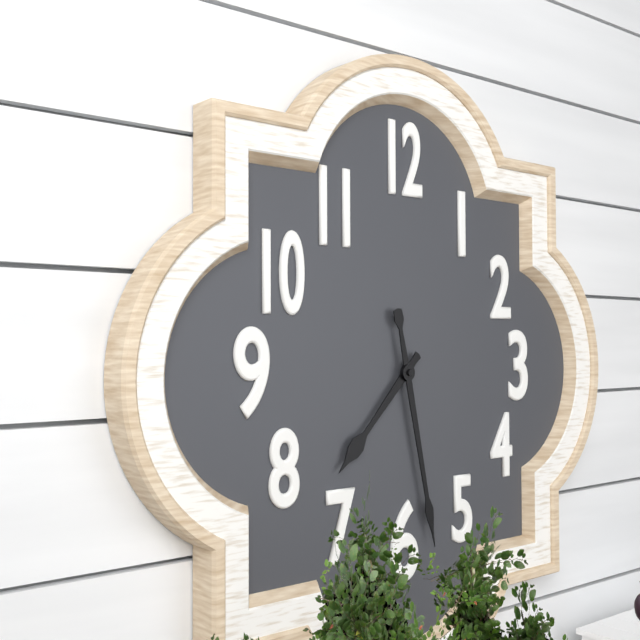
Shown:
h=7 m=28
